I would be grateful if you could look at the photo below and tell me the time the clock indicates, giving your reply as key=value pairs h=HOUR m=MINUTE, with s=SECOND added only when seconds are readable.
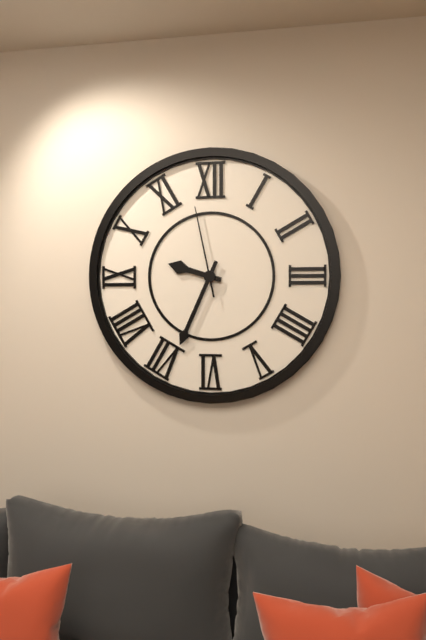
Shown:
h=9 m=34 s=58
